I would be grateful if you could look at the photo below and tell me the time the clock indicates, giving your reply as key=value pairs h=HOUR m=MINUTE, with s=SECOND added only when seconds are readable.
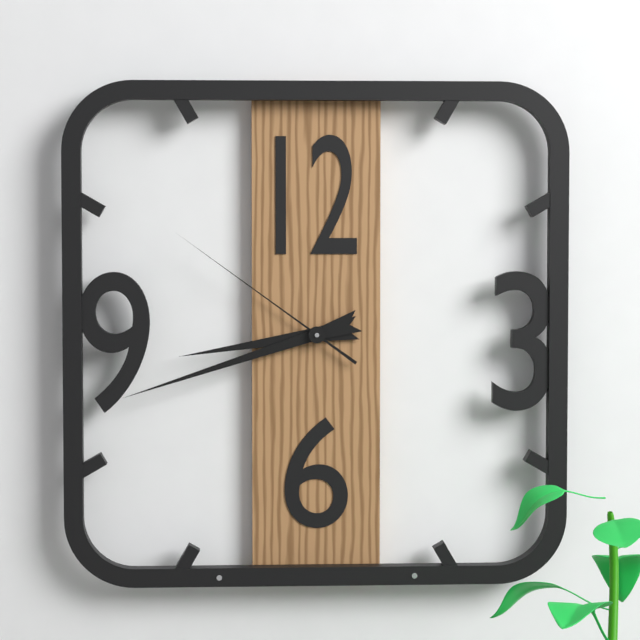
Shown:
h=8 m=42 s=51
